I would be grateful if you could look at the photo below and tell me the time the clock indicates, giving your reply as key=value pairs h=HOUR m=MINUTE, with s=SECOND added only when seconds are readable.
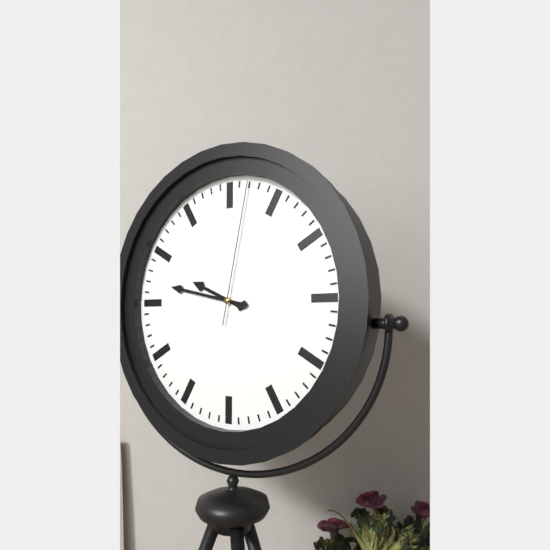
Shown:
h=9 m=47 s=2
